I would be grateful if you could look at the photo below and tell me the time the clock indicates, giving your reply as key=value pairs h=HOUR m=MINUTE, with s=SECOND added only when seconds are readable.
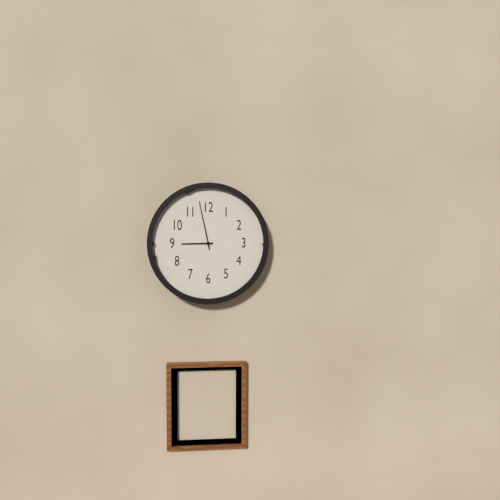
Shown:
h=8 m=58
